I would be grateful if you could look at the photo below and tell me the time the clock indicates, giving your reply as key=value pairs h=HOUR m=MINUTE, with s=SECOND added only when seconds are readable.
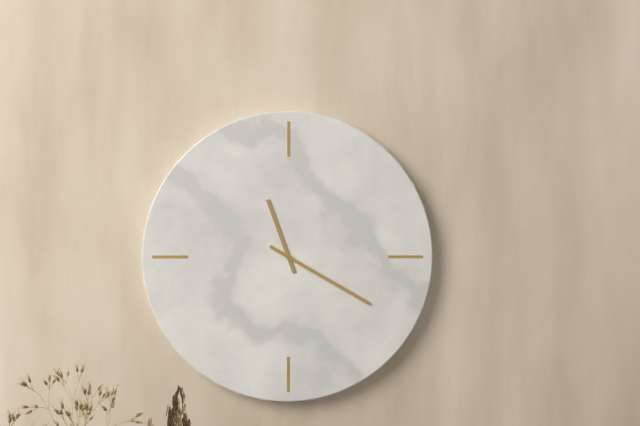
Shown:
h=11 m=20
